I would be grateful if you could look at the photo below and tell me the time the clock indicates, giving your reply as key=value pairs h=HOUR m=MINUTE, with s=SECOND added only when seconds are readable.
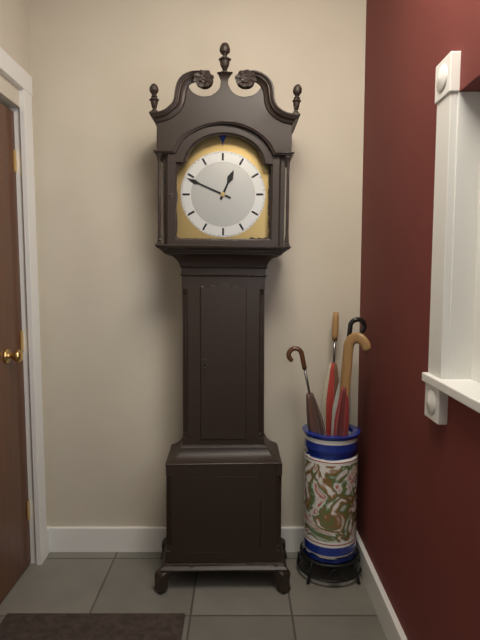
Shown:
h=12 m=49
